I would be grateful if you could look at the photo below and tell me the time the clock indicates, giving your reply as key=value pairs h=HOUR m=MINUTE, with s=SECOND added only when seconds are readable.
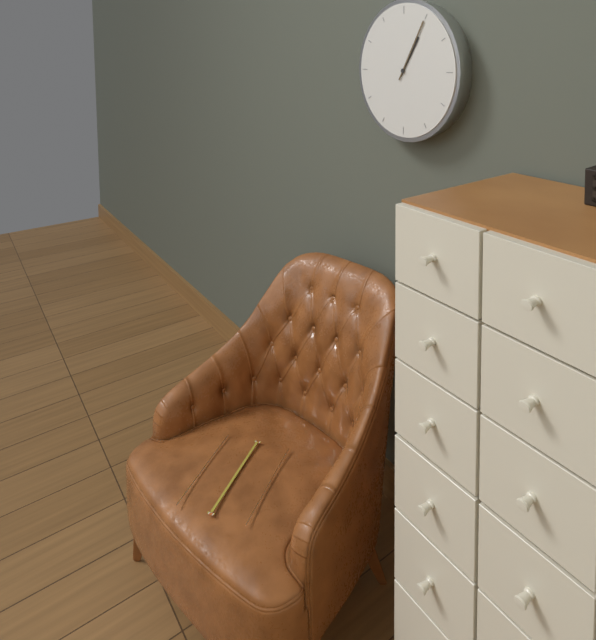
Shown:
h=1 m=5
